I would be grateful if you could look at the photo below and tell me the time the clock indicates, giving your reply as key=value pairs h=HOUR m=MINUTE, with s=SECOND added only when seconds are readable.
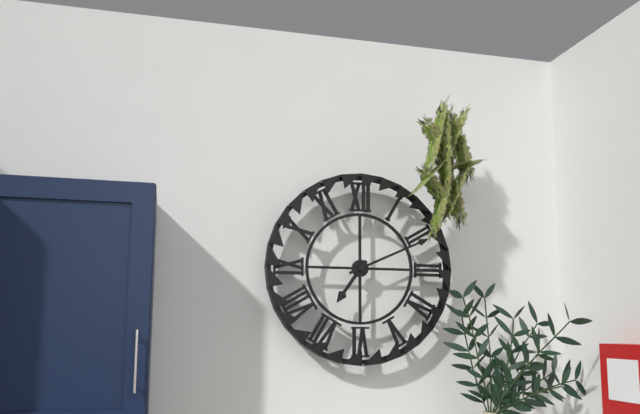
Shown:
h=7 m=11
